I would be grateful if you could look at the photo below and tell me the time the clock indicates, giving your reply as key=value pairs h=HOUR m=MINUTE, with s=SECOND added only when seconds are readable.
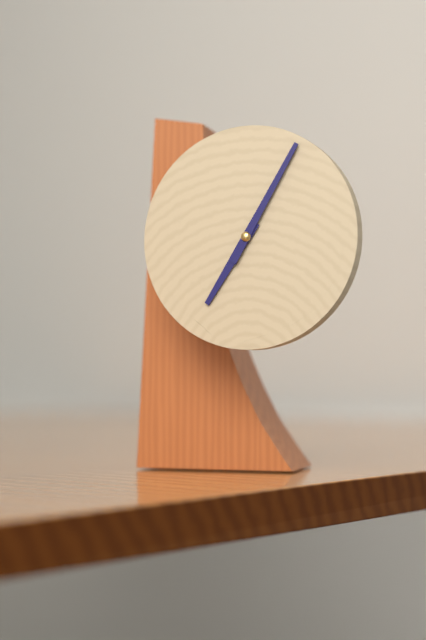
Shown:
h=7 m=5
